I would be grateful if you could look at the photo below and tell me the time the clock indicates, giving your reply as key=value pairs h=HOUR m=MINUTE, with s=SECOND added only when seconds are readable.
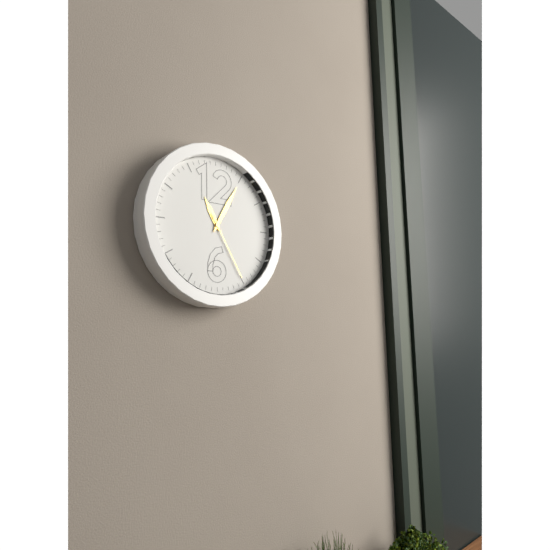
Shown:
h=11 m=5 s=25
